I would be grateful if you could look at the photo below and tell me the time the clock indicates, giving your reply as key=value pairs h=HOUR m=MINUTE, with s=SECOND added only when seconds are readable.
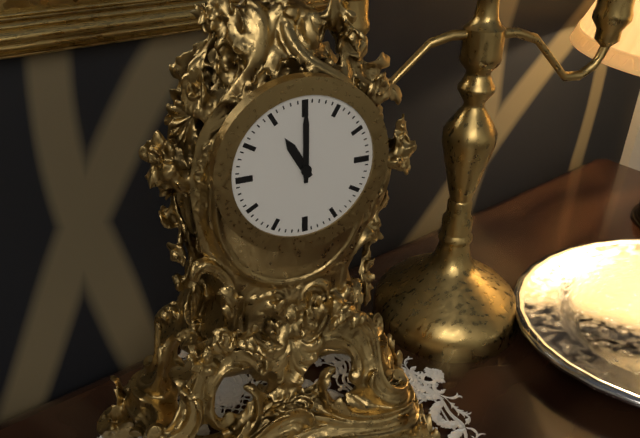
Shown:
h=11 m=0
